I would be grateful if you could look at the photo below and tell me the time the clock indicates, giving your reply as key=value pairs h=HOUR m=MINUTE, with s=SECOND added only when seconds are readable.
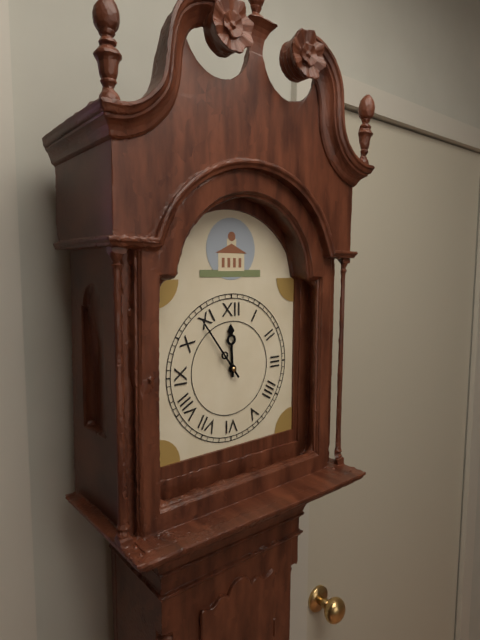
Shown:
h=11 m=54
